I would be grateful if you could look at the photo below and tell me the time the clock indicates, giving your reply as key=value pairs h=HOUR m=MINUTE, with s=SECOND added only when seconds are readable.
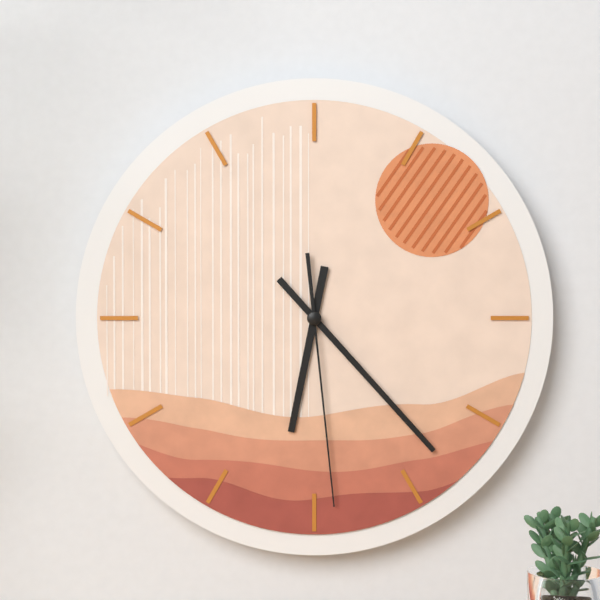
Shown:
h=6 m=23 s=29
